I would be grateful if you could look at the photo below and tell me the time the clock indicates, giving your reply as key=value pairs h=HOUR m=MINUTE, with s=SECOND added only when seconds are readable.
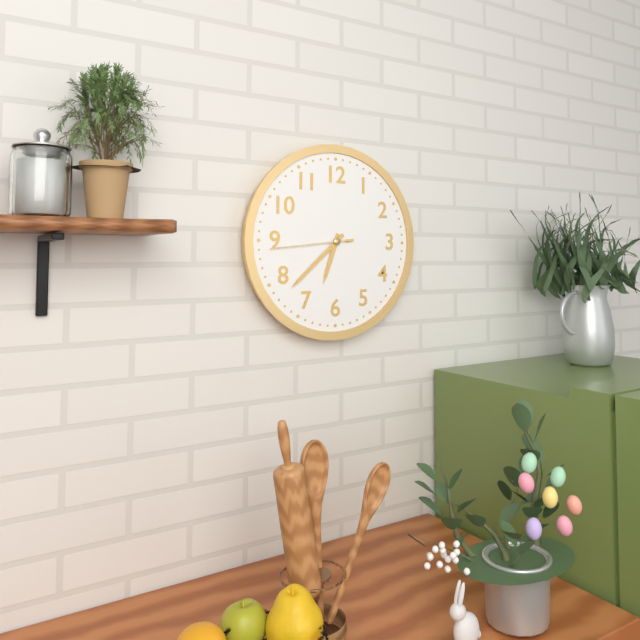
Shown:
h=6 m=38 s=44
